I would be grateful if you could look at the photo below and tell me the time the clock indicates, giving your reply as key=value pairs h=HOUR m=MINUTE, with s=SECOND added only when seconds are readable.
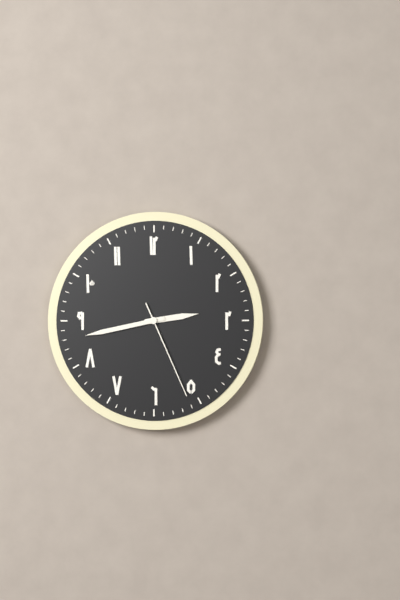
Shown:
h=2 m=43 s=26
